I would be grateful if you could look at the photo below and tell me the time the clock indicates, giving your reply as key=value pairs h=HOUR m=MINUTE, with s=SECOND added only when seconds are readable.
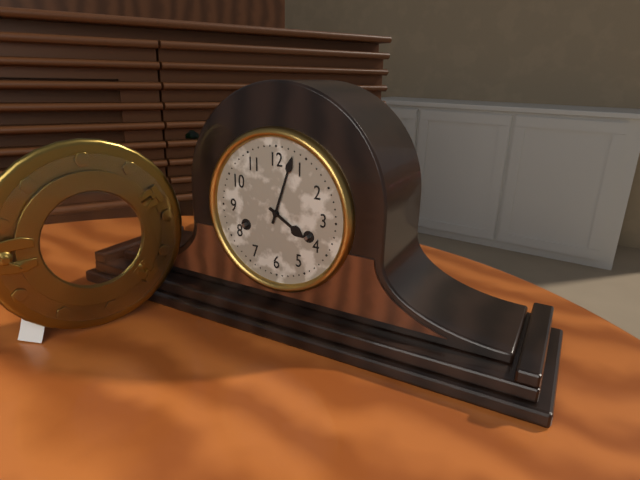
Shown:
h=4 m=3
